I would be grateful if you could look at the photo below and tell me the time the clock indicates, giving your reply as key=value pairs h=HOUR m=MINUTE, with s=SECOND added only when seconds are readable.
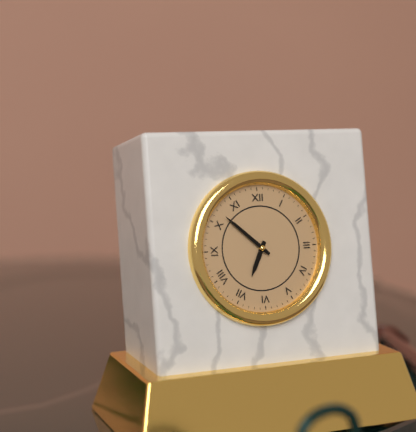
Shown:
h=6 m=52
